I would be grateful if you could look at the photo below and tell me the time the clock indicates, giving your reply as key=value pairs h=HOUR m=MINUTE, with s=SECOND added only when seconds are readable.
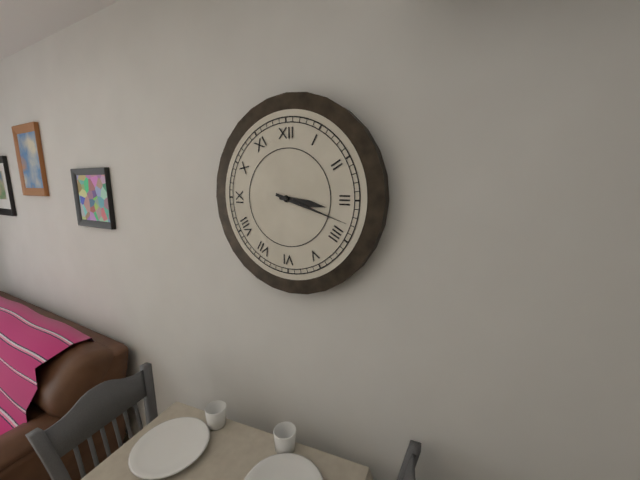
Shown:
h=3 m=18
